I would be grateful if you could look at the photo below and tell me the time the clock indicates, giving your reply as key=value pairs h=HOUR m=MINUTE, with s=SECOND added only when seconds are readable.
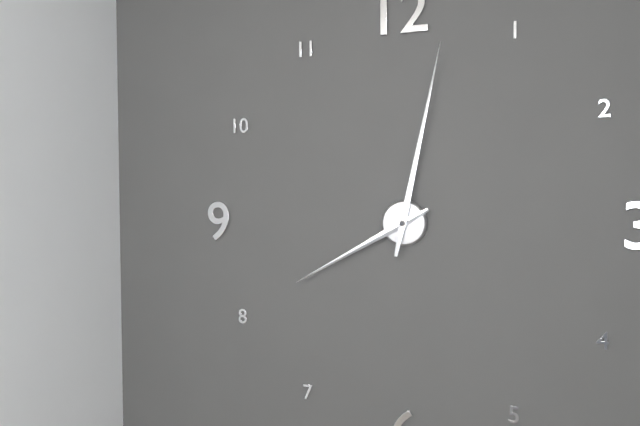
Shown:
h=8 m=2
